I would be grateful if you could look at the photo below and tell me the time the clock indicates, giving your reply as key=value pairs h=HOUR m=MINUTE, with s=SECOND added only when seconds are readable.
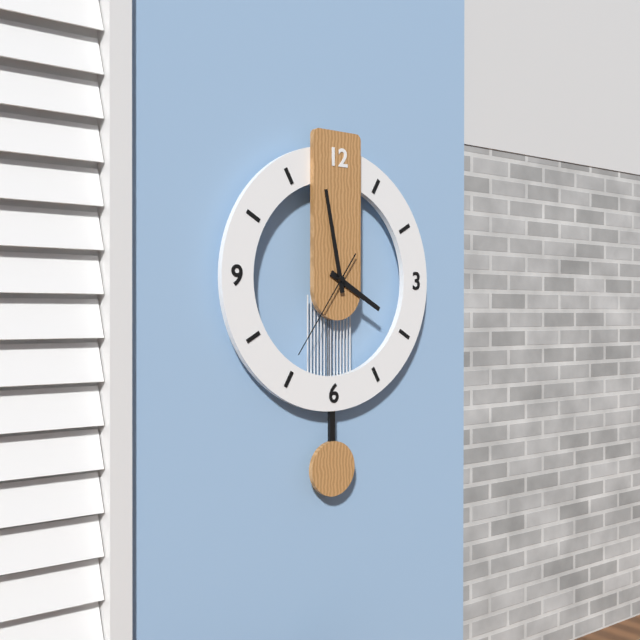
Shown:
h=3 m=58 s=36
